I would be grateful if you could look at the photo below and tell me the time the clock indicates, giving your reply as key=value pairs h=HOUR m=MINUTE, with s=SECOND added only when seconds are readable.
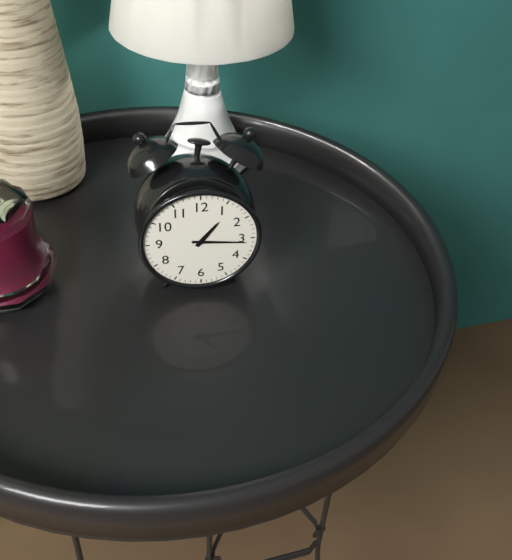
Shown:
h=1 m=16
